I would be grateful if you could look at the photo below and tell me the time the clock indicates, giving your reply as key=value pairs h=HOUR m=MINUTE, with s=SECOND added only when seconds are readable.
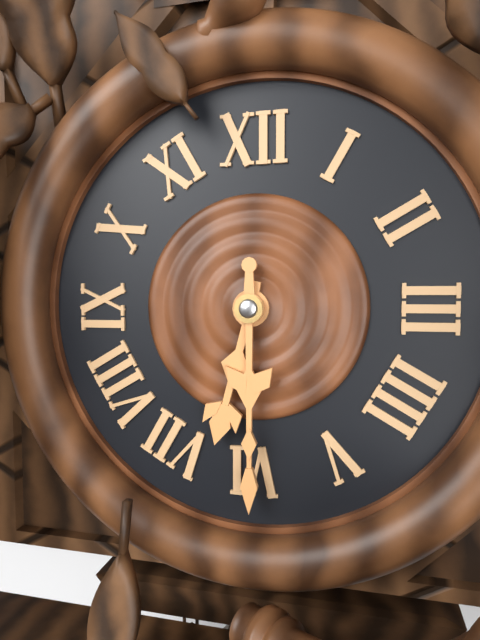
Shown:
h=6 m=30
